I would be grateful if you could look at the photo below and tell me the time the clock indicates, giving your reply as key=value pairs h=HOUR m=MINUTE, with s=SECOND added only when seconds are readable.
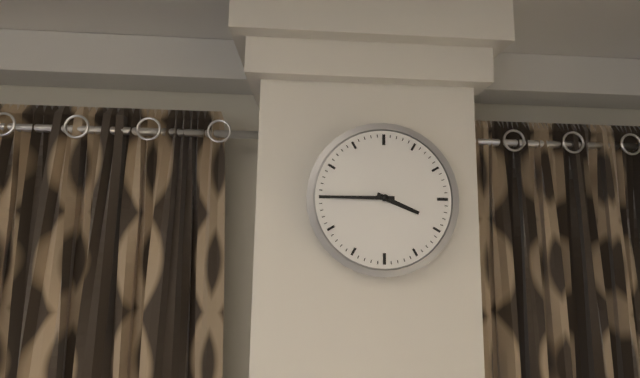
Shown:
h=3 m=45
